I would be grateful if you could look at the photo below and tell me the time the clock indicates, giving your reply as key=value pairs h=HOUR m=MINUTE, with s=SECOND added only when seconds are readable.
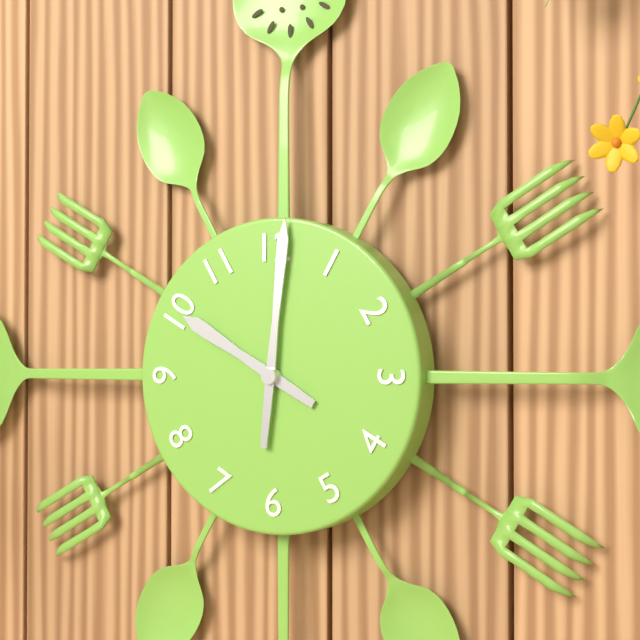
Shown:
h=10 m=1
